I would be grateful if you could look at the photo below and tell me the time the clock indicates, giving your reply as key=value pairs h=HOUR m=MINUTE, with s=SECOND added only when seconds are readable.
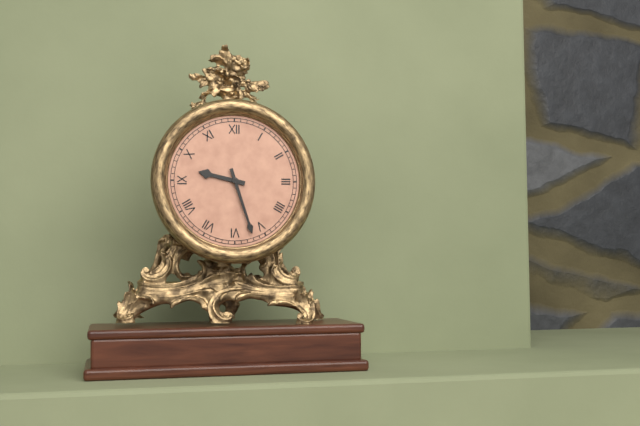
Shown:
h=9 m=27
